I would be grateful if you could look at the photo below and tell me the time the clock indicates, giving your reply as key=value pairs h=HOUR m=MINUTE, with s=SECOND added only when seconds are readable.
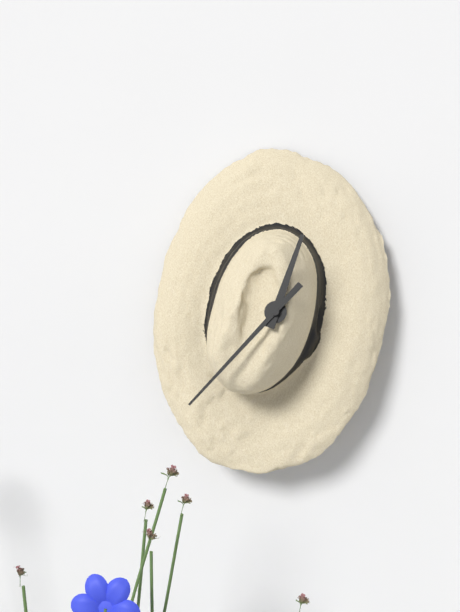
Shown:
h=12 m=37
